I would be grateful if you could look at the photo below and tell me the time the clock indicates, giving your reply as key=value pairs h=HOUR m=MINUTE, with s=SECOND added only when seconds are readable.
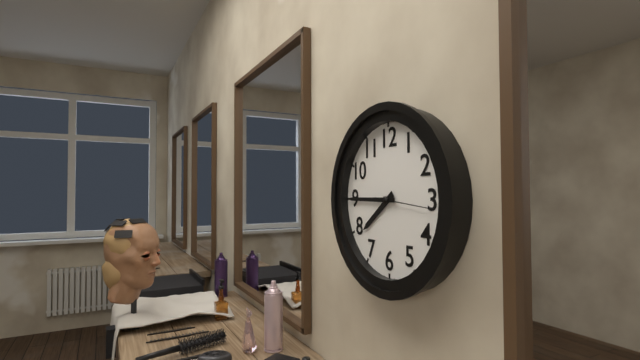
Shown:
h=7 m=45 s=16
